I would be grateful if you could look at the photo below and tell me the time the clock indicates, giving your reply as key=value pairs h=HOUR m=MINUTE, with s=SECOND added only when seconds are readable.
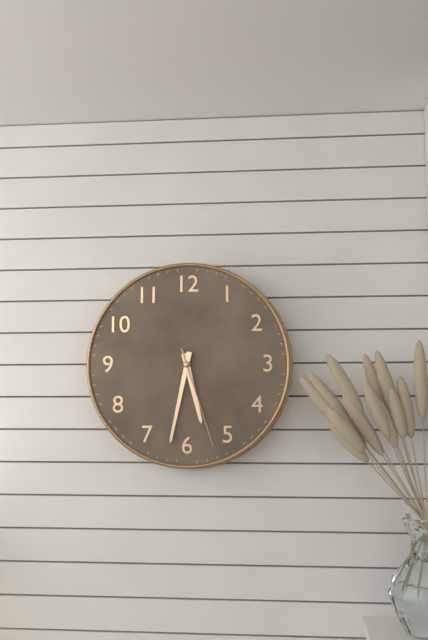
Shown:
h=5 m=32 s=27
